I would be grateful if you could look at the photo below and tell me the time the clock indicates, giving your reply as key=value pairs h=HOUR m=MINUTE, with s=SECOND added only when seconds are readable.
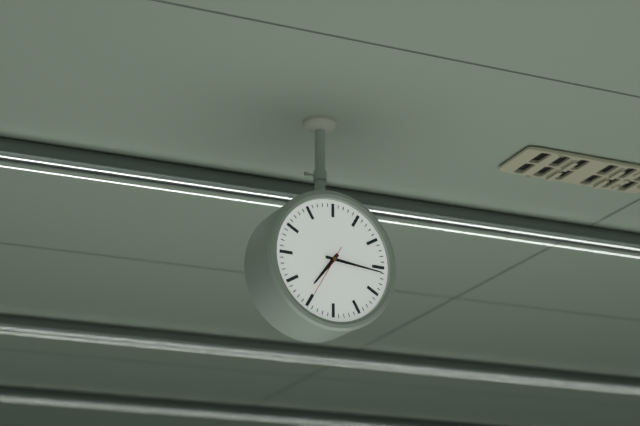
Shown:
h=7 m=16
